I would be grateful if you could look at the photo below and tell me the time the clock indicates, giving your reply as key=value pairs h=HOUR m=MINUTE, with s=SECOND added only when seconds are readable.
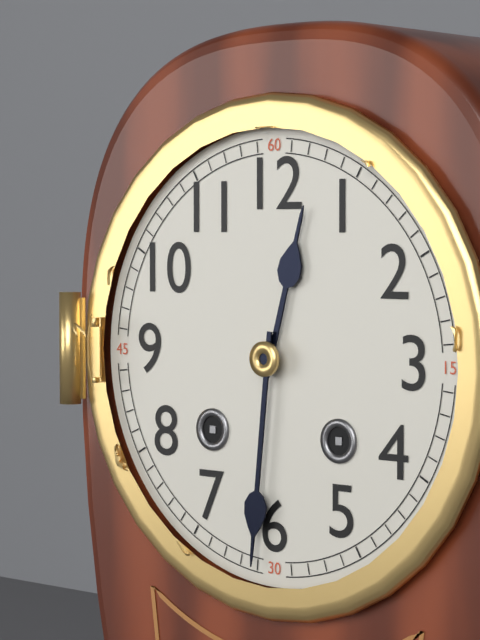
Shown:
h=12 m=31
